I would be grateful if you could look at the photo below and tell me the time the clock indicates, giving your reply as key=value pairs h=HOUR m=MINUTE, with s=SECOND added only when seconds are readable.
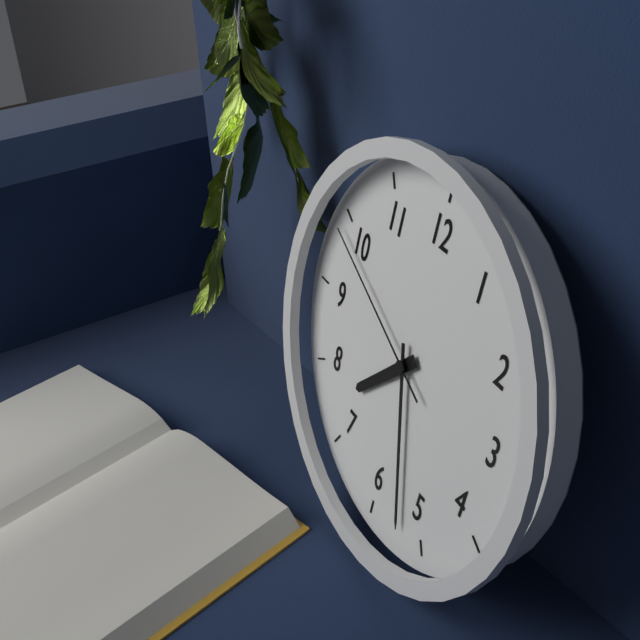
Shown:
h=7 m=27 s=49
